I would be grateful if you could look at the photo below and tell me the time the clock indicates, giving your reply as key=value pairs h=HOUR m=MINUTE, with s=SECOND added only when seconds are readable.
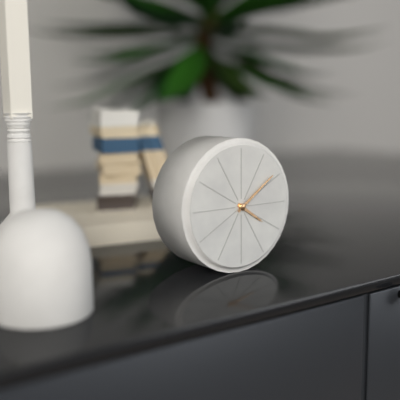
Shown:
h=4 m=9
